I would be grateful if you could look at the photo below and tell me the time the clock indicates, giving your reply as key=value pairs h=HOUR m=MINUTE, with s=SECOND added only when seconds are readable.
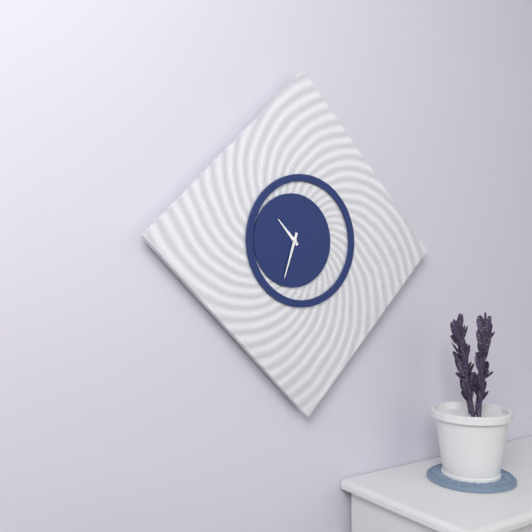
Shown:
h=10 m=33
